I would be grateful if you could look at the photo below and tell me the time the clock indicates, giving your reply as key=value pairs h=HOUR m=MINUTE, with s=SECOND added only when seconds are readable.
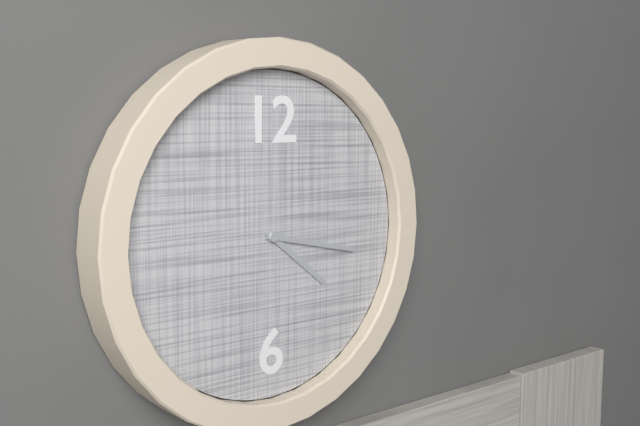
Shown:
h=4 m=17
